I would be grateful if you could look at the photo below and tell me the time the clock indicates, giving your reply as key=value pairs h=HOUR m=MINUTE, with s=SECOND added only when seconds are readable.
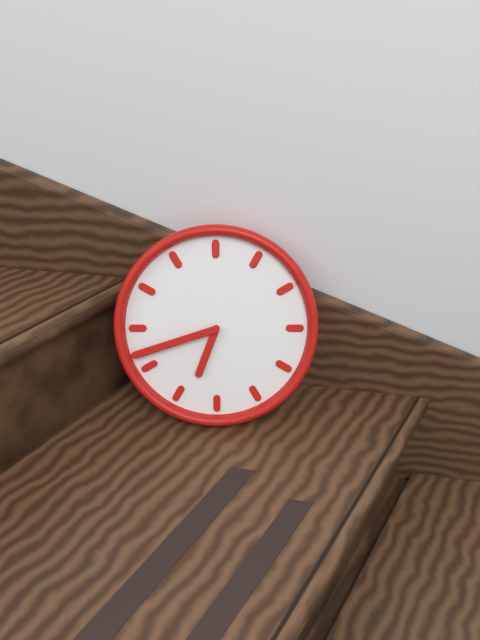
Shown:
h=6 m=42
